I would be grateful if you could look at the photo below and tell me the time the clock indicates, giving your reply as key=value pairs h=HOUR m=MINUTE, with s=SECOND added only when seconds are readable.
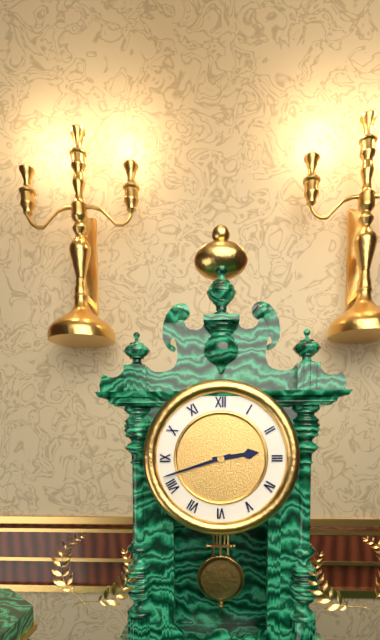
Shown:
h=2 m=42
